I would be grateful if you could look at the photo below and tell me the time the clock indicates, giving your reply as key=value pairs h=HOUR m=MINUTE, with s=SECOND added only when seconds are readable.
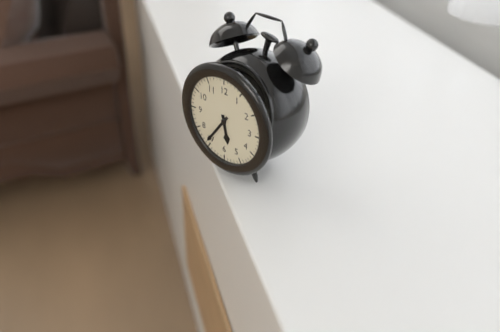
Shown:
h=5 m=36
